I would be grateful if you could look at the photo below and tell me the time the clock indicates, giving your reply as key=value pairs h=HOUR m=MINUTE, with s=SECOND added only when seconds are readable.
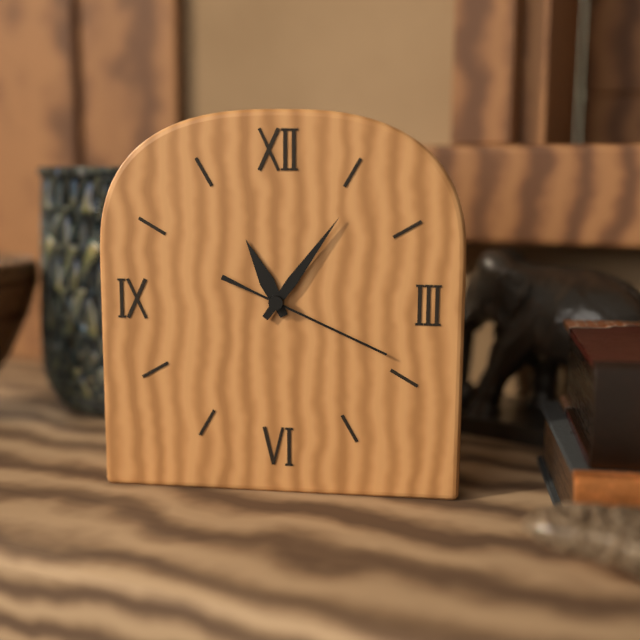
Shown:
h=11 m=6 s=19
